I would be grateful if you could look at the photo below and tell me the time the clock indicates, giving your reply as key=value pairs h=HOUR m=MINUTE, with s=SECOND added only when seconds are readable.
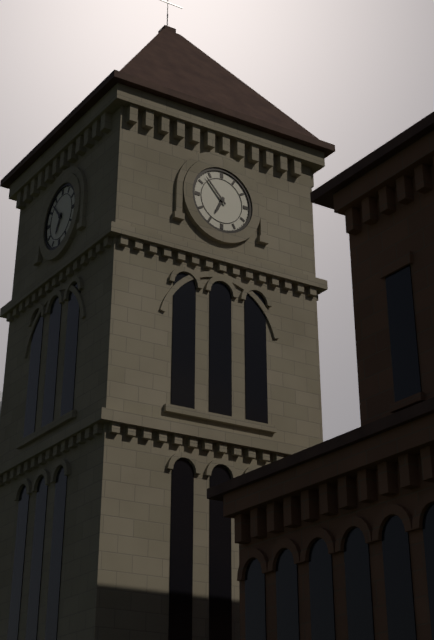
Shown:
h=6 m=53
